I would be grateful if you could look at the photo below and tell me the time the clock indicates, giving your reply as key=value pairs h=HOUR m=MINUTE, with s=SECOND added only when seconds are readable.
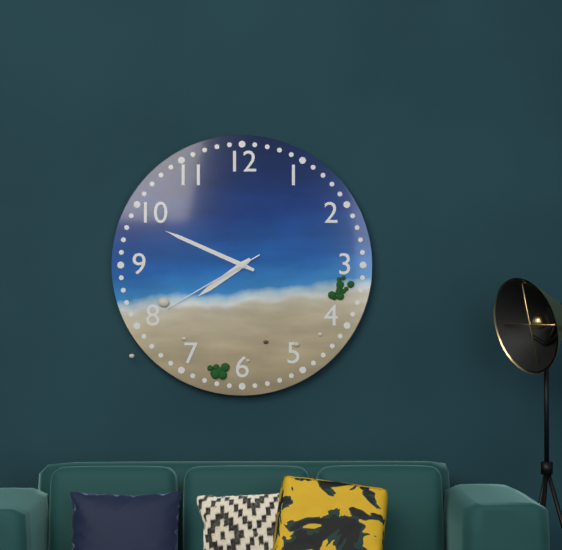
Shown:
h=7 m=49 s=40
